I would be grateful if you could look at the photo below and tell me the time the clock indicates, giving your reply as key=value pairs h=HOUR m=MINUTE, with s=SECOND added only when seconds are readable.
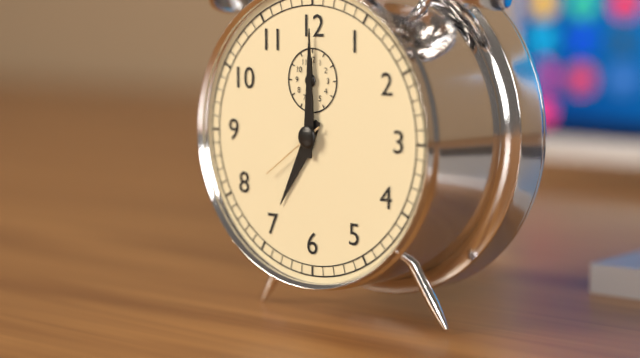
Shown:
h=7 m=0 s=39
